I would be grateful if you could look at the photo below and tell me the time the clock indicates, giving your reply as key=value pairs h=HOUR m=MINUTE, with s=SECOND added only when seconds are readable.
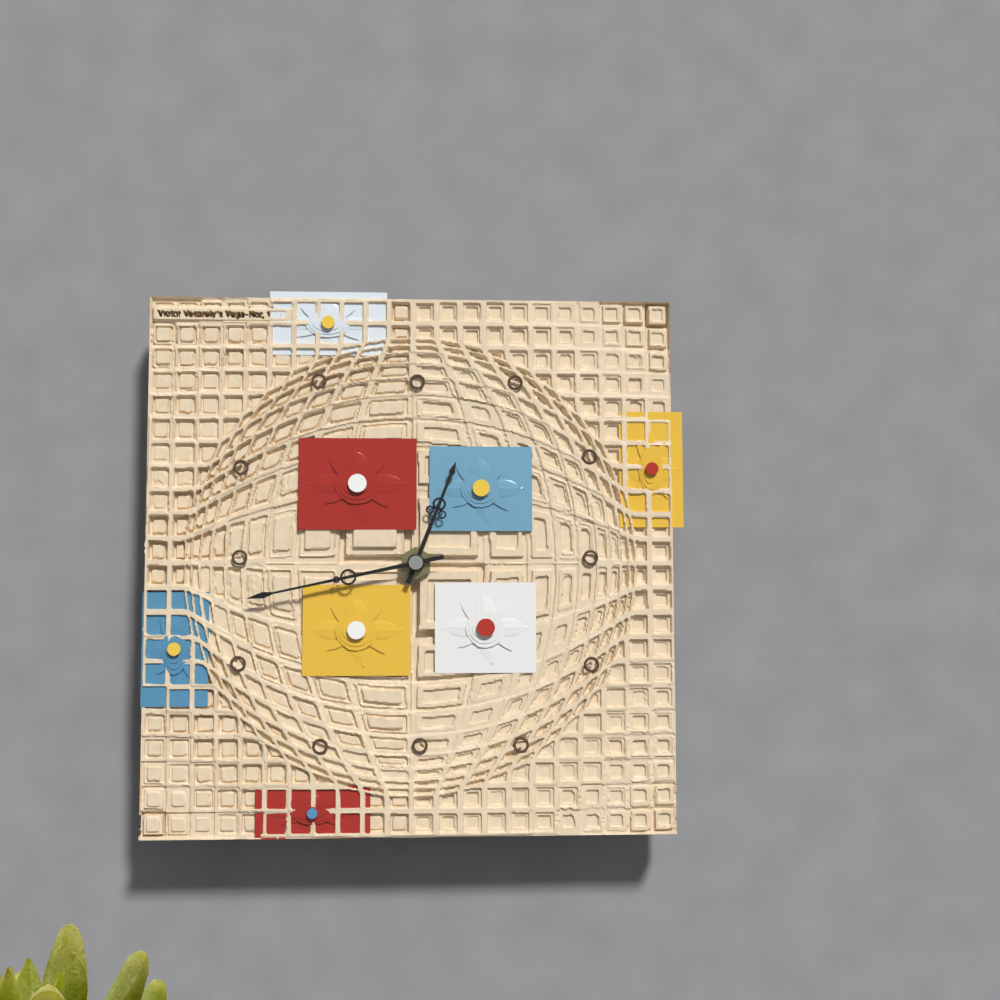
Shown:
h=12 m=43
